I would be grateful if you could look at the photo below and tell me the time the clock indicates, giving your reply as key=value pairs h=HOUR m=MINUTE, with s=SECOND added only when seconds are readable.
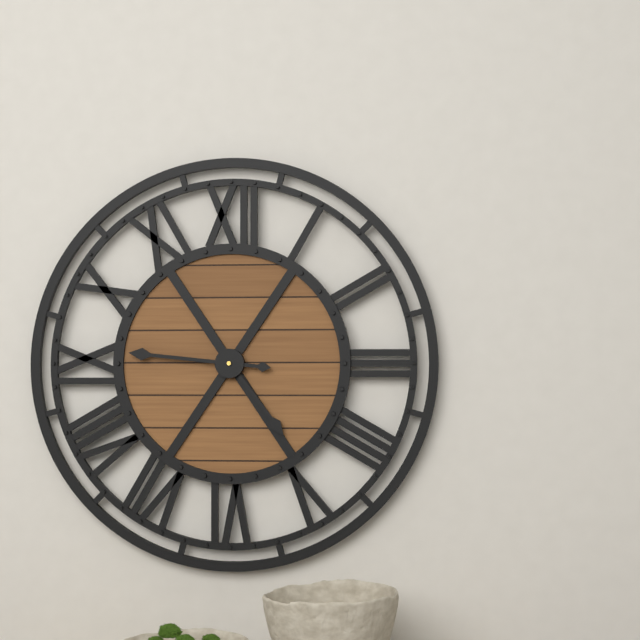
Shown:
h=4 m=46
